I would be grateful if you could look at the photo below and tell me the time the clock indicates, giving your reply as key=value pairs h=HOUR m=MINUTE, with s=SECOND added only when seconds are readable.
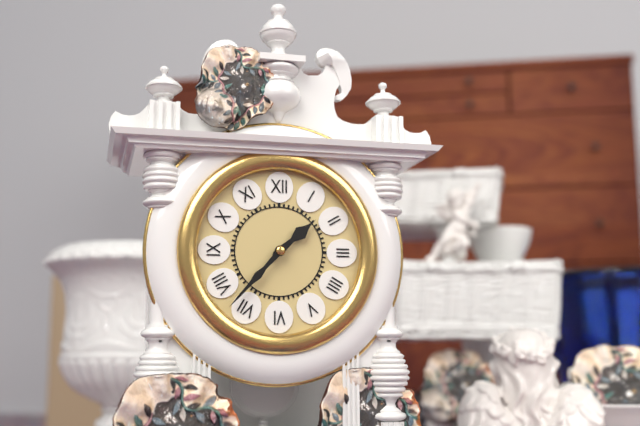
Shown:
h=1 m=37
